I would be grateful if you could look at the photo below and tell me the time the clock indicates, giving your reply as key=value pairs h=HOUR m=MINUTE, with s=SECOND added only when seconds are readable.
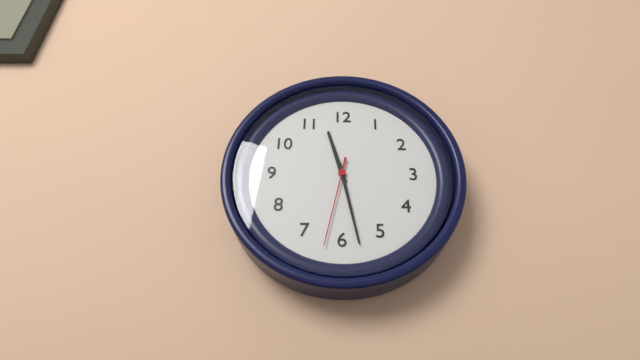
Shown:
h=11 m=28 s=32
